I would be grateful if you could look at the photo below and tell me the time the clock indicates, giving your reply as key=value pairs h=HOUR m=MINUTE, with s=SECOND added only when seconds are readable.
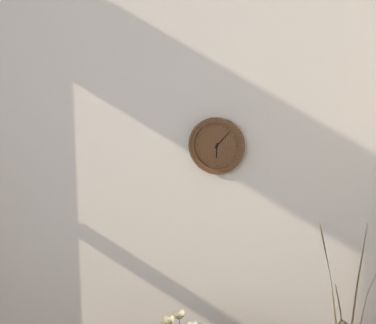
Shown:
h=6 m=7
